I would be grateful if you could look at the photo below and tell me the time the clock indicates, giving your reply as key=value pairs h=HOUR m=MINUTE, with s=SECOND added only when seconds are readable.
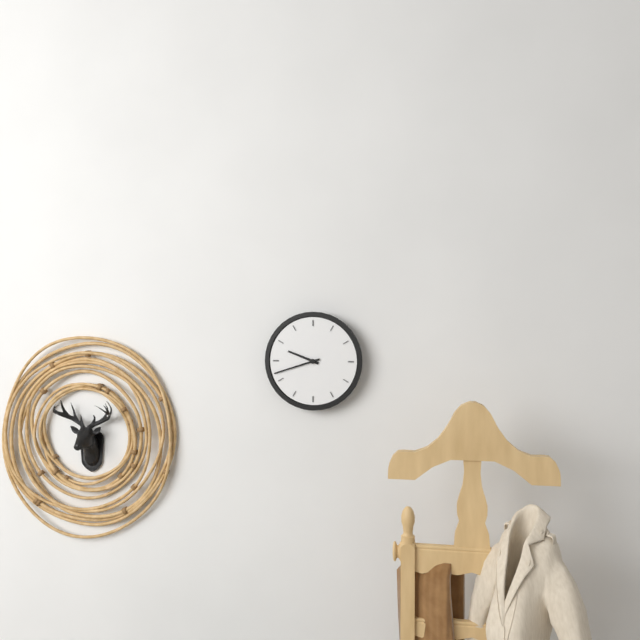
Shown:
h=9 m=42
